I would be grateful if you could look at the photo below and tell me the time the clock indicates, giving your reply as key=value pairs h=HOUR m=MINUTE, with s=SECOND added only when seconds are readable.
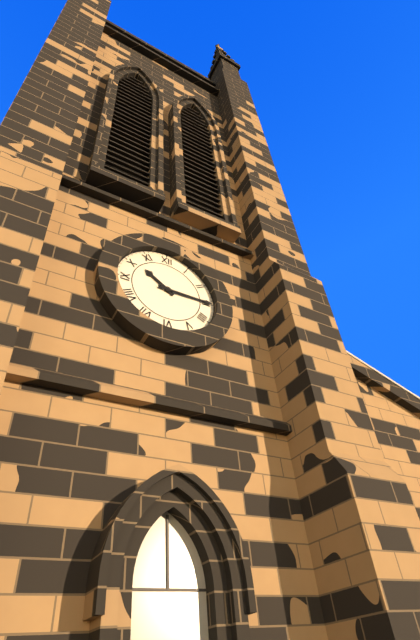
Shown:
h=10 m=15
